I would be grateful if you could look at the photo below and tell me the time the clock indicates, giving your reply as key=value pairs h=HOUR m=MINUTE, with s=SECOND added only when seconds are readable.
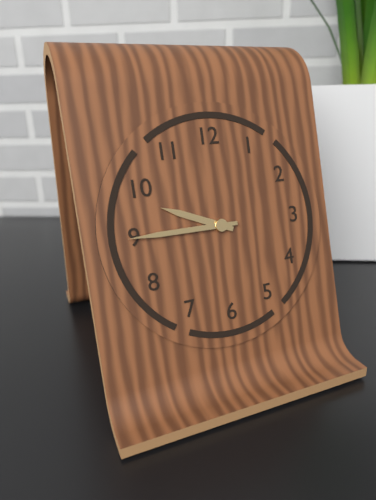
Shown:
h=9 m=45
